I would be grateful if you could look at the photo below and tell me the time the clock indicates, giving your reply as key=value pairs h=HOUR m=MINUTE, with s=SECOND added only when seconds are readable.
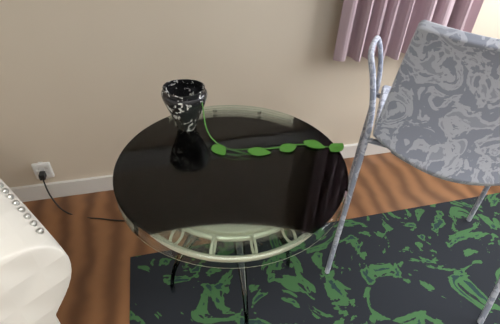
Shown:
h=5 m=35
